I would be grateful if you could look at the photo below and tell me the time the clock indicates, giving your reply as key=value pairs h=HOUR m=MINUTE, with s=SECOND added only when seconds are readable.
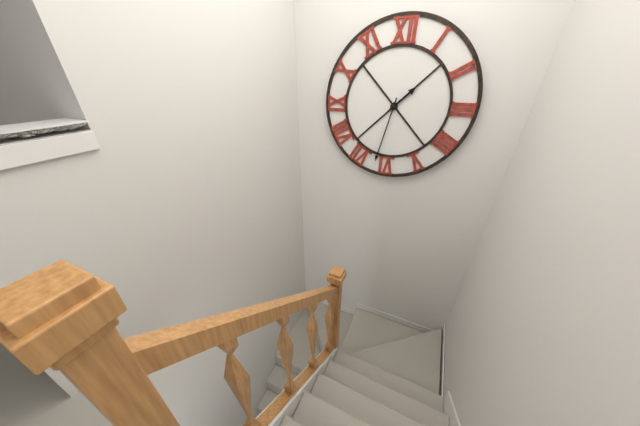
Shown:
h=1 m=32
